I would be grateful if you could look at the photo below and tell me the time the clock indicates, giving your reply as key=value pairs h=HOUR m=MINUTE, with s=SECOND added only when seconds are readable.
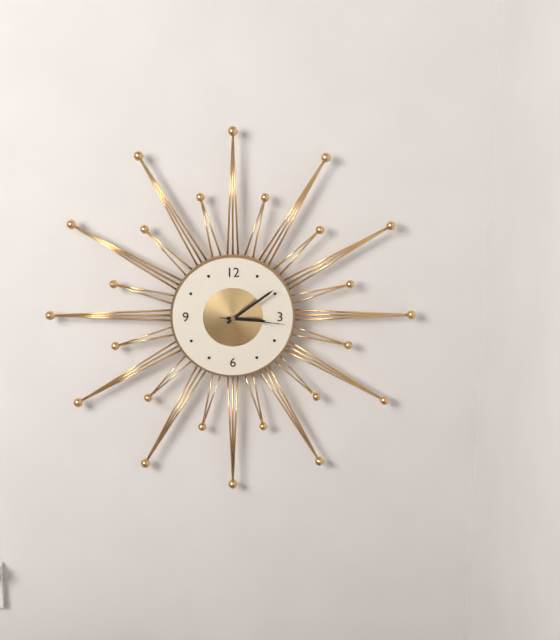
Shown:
h=3 m=9 s=16
